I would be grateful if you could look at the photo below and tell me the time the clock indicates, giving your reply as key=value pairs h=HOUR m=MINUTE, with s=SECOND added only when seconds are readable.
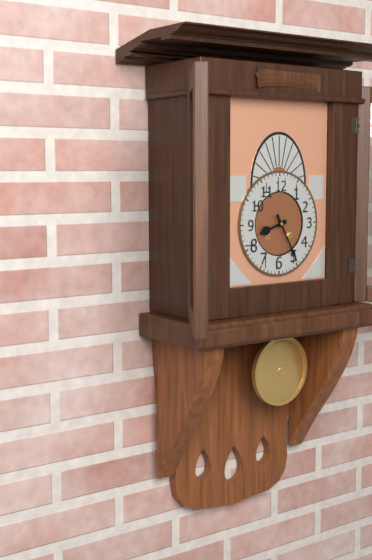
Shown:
h=8 m=25
